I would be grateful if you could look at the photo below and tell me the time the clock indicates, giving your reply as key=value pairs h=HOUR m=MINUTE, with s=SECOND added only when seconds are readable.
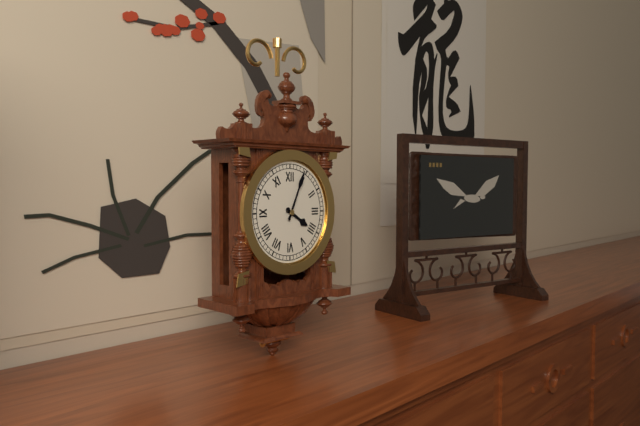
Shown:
h=4 m=4
